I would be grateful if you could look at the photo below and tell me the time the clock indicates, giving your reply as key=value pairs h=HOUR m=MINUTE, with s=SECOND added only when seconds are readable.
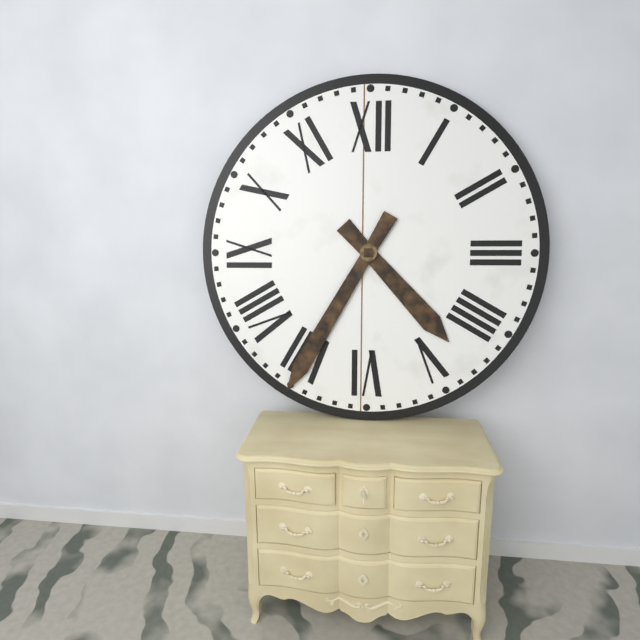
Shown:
h=4 m=35
